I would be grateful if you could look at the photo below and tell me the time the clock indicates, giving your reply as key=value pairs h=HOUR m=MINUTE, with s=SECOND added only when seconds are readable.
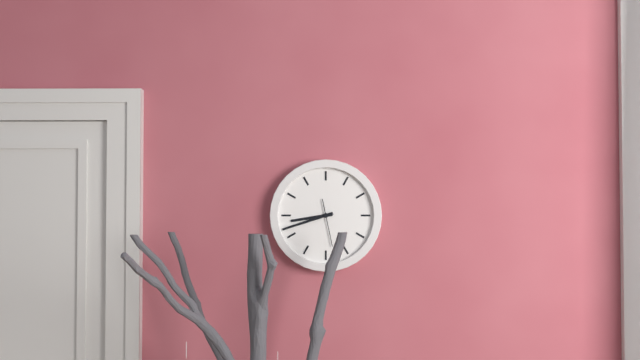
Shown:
h=8 m=42
